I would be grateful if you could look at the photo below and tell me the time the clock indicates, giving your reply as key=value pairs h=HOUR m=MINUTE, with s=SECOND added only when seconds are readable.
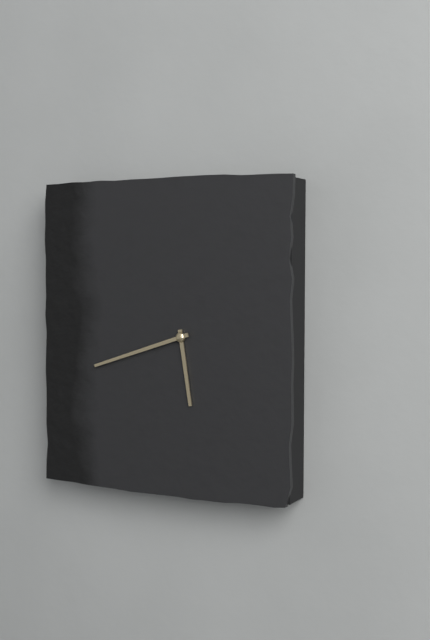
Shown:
h=5 m=42
